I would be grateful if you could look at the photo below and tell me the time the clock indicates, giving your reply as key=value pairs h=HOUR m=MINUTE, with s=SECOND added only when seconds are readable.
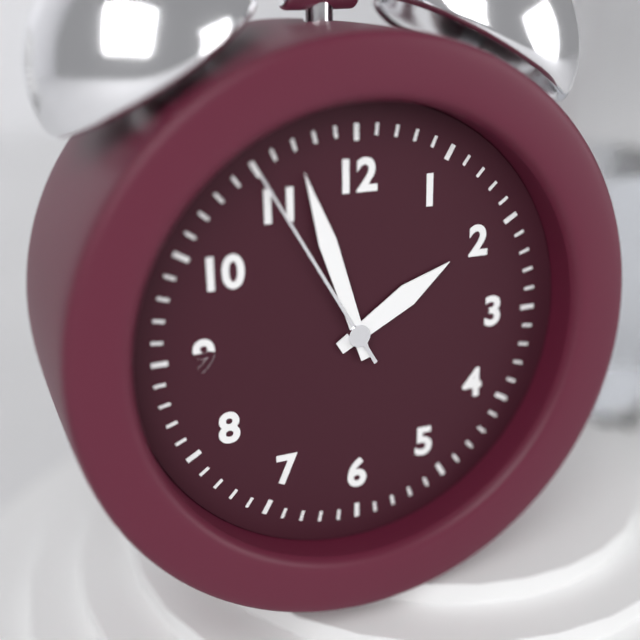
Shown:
h=1 m=57 s=55
